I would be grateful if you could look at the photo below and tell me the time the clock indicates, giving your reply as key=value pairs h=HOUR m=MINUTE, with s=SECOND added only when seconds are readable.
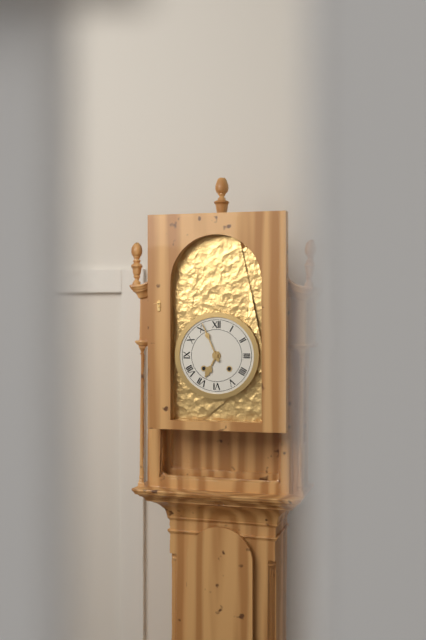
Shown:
h=6 m=56
